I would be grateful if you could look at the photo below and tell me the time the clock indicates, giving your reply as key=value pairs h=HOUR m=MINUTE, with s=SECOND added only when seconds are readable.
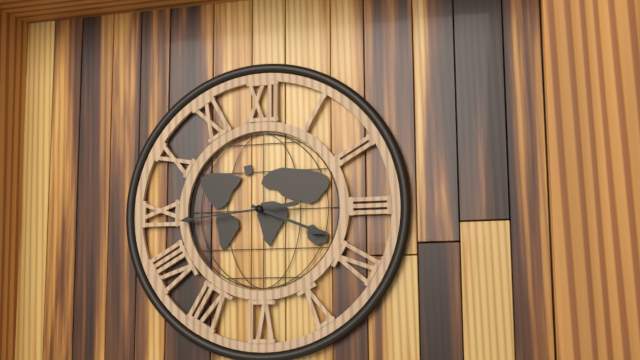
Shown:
h=3 m=44
